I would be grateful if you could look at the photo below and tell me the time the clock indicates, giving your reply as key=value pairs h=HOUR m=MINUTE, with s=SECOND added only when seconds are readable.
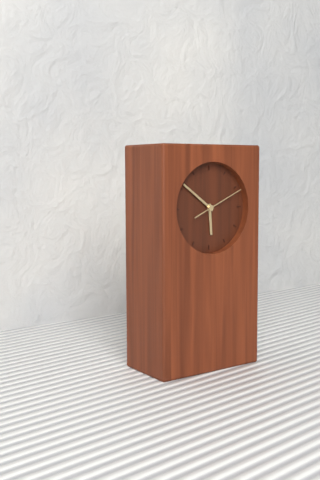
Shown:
h=5 m=51
